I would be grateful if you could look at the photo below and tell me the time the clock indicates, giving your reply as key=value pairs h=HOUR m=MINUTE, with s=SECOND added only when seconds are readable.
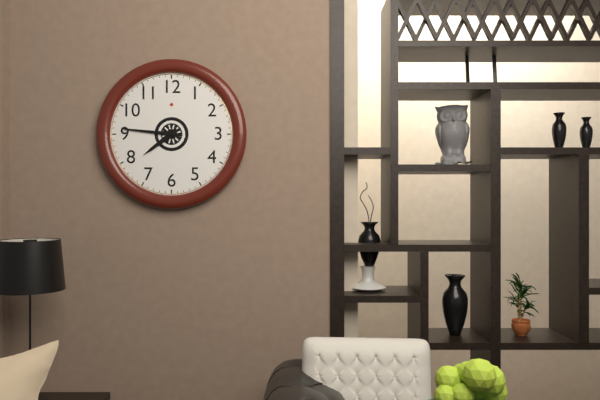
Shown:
h=7 m=46
